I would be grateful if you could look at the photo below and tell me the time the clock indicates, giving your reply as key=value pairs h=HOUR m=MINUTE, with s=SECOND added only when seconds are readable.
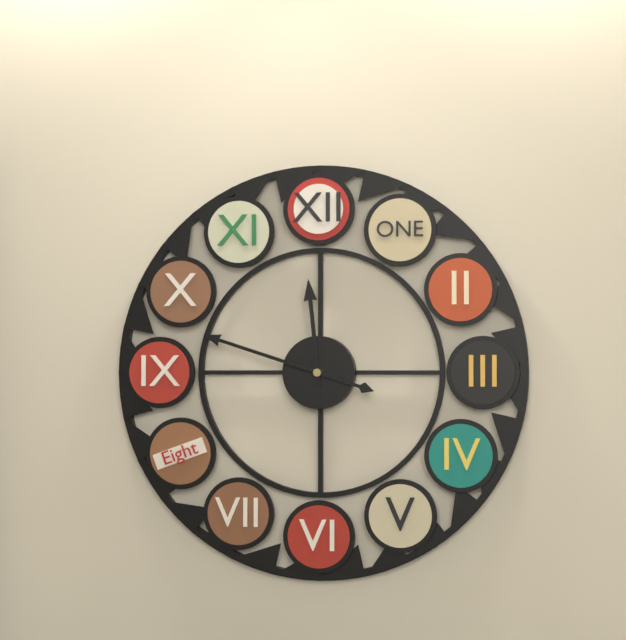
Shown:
h=11 m=48
